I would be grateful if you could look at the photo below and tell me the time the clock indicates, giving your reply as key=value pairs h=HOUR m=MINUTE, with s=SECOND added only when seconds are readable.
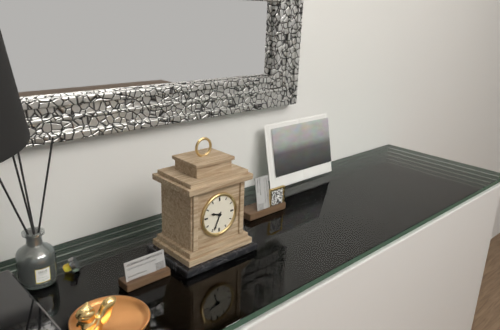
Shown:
h=9 m=34
